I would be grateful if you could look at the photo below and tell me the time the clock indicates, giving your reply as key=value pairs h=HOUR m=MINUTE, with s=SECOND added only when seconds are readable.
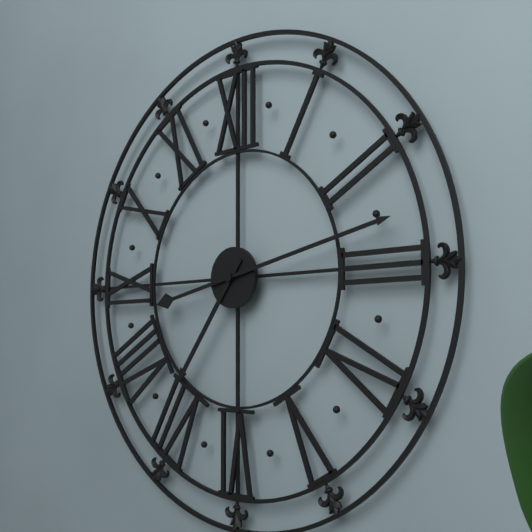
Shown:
h=7 m=13
